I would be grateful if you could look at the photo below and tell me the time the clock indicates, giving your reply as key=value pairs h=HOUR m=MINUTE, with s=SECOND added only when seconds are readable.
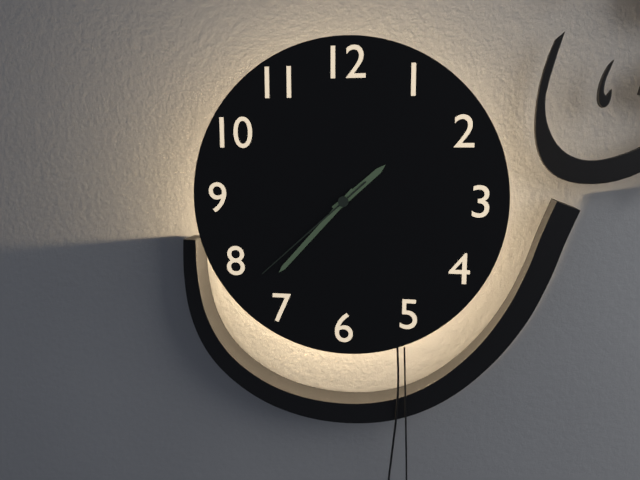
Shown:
h=1 m=37 s=38
